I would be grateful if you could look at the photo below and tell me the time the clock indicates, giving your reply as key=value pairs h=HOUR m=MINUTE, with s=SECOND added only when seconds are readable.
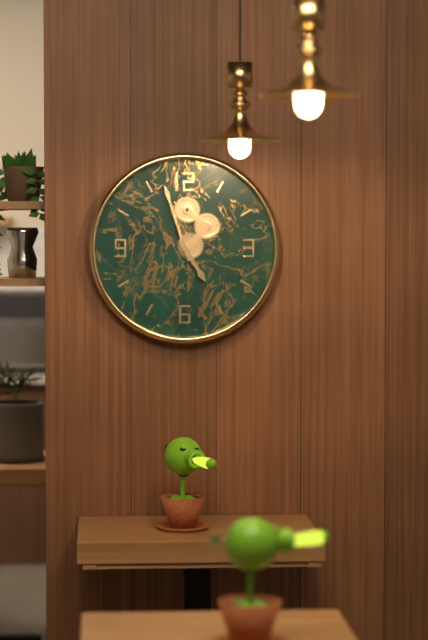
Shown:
h=4 m=57
